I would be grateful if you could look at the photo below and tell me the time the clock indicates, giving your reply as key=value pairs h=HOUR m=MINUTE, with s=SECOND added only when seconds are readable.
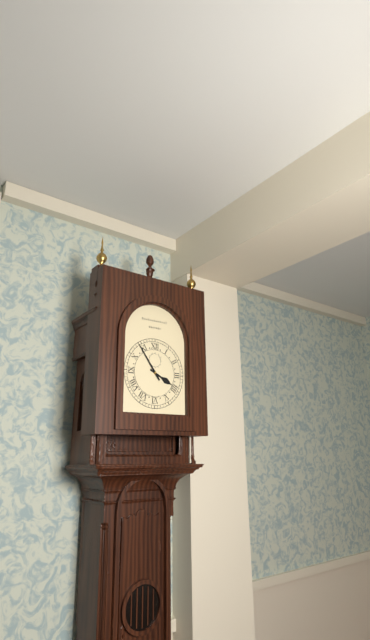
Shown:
h=3 m=54
